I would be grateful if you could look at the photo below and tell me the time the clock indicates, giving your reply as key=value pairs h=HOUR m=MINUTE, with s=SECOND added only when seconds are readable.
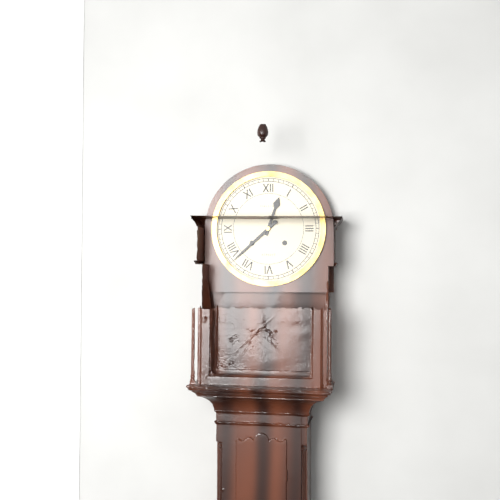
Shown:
h=12 m=38
